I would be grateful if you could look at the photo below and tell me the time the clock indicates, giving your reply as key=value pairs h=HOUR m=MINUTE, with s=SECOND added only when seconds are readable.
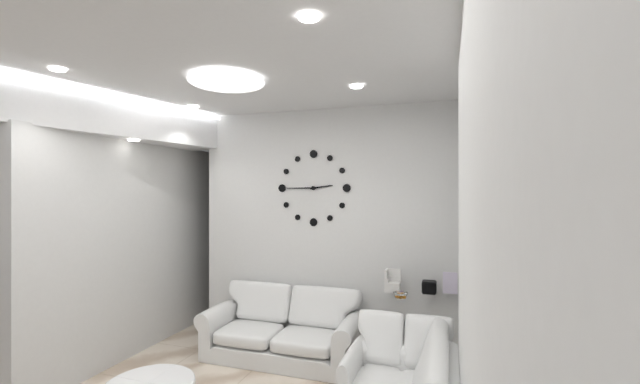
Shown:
h=2 m=45
